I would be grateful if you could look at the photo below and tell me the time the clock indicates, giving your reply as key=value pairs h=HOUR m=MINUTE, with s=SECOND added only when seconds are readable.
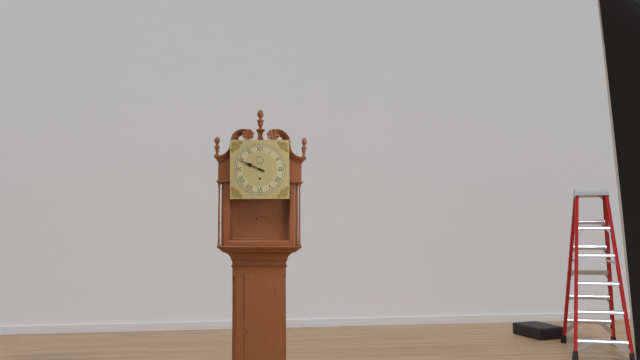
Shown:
h=9 m=49
